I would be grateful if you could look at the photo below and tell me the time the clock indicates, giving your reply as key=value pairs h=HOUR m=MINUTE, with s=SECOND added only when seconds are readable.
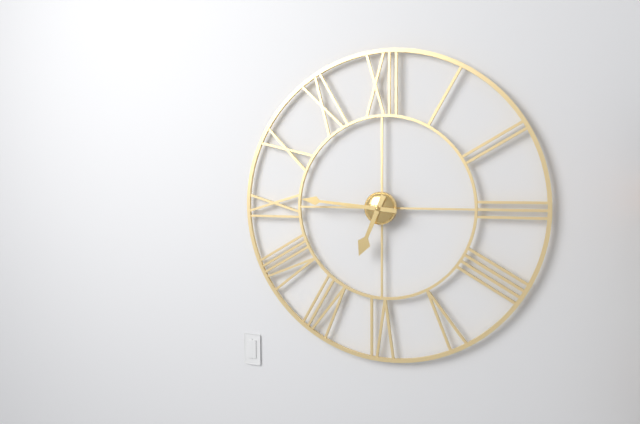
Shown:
h=6 m=46
